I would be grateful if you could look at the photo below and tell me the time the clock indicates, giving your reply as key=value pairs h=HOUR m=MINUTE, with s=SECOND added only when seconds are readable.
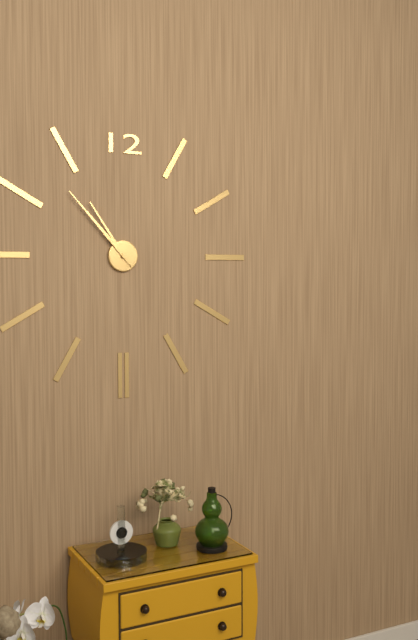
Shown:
h=10 m=53
